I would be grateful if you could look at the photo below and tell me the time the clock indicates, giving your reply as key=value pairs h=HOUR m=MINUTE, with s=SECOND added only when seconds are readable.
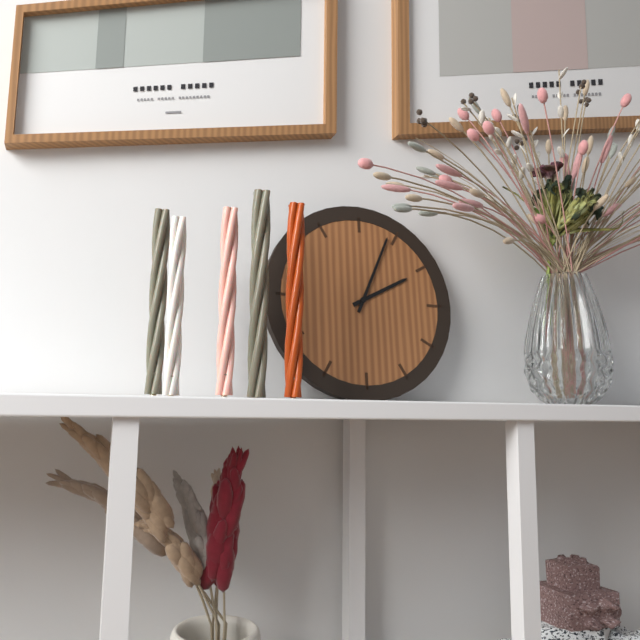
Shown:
h=2 m=4
